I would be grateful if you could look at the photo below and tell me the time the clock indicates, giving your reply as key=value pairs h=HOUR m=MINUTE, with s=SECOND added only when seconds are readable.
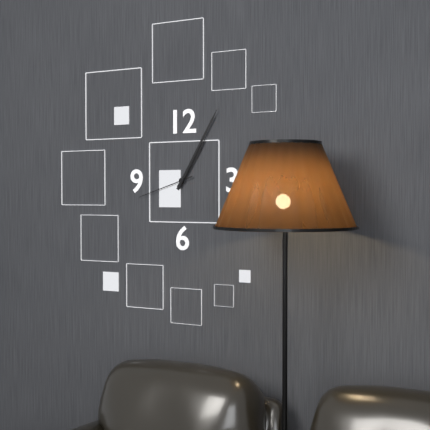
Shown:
h=1 m=5 s=42
